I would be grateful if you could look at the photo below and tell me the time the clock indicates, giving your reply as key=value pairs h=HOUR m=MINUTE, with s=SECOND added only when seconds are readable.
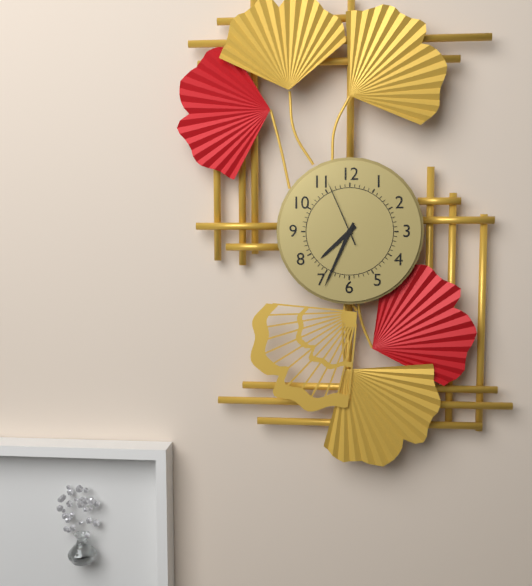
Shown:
h=7 m=34 s=56
